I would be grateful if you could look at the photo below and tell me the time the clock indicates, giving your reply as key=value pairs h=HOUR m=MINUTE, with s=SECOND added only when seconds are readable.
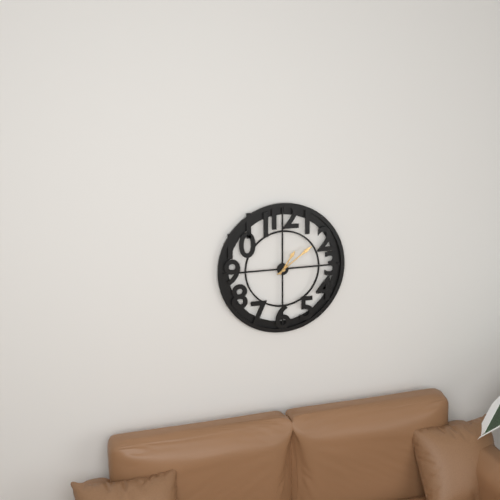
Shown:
h=1 m=9
